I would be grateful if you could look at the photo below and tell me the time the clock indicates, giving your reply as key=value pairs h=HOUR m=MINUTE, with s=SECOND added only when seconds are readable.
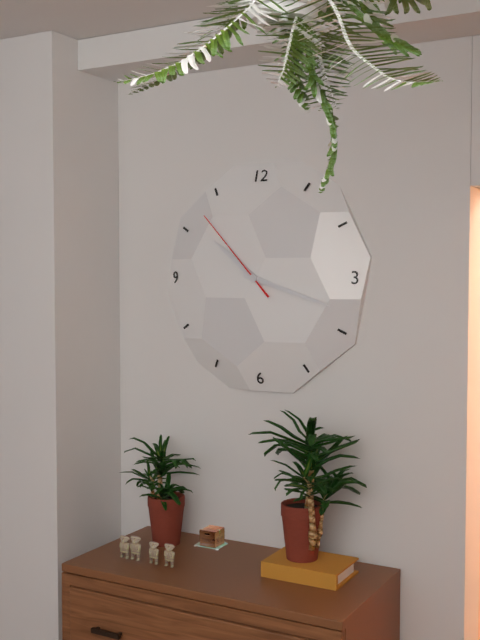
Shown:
h=10 m=18 s=53
